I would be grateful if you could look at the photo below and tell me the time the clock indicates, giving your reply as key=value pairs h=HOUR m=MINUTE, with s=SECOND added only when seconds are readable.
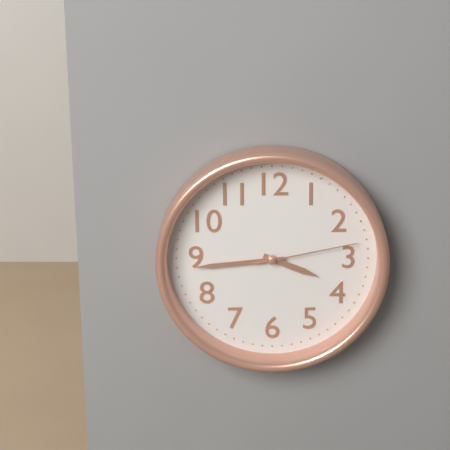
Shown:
h=3 m=44 s=13
